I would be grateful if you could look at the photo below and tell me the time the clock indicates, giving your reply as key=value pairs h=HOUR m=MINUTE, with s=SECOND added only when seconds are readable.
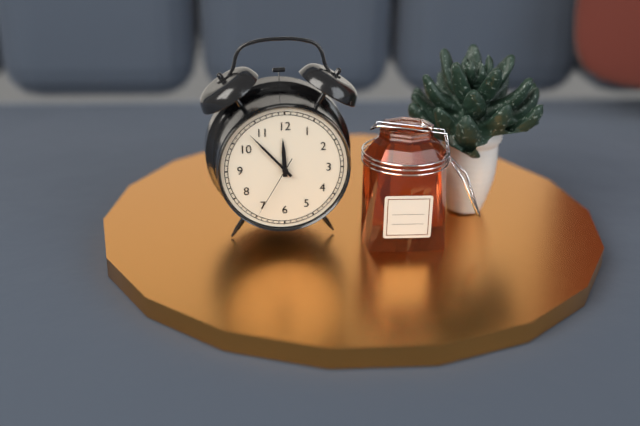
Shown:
h=11 m=53 s=35
